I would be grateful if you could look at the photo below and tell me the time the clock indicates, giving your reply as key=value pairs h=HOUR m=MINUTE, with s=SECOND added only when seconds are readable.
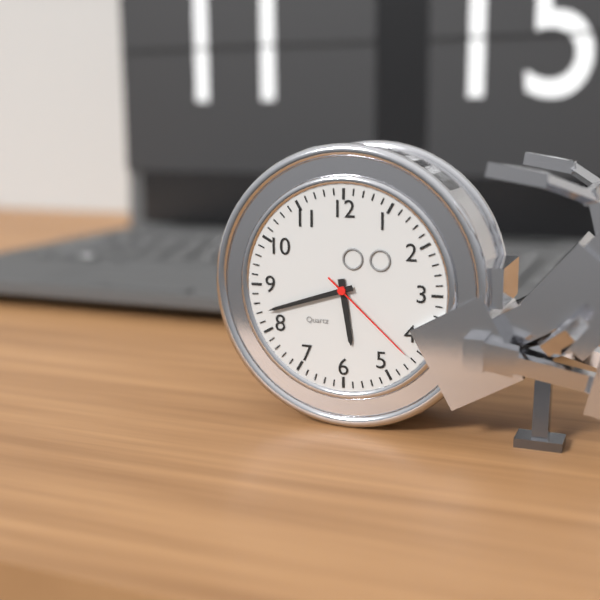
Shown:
h=5 m=42 s=22
